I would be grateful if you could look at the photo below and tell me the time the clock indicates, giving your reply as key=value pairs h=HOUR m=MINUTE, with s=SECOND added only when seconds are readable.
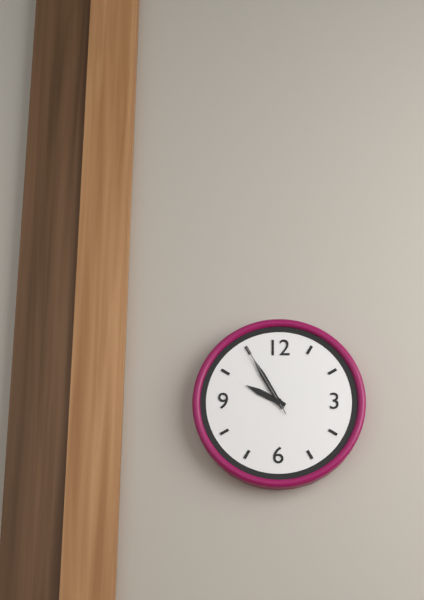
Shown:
h=9 m=55 s=55
